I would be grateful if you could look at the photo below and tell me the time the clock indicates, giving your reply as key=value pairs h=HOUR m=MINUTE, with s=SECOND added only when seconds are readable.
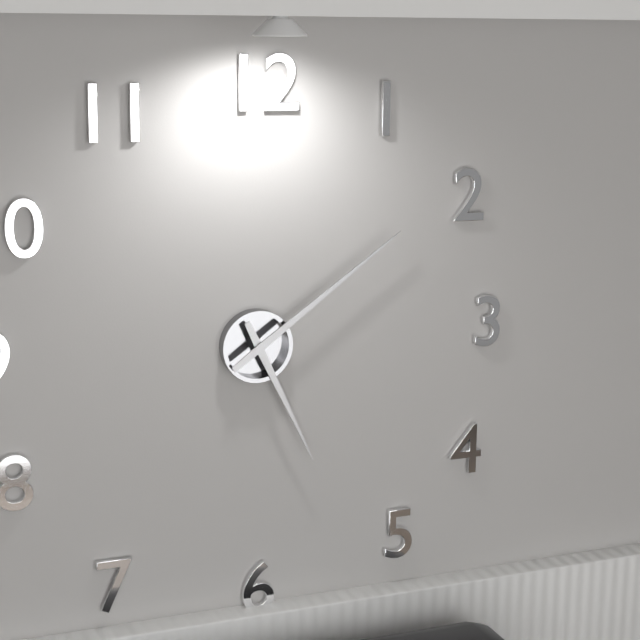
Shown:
h=5 m=9
